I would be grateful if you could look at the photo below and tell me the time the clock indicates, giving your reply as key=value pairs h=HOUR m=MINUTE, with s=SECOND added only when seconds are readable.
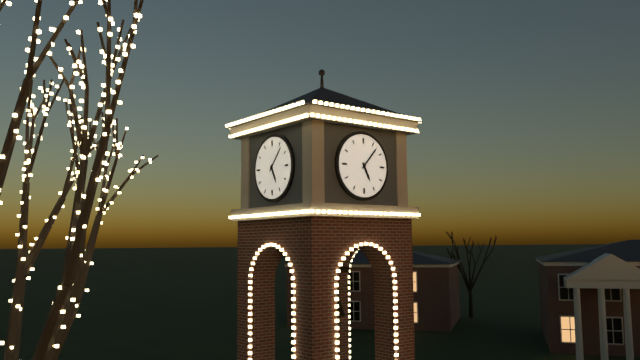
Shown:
h=5 m=7
